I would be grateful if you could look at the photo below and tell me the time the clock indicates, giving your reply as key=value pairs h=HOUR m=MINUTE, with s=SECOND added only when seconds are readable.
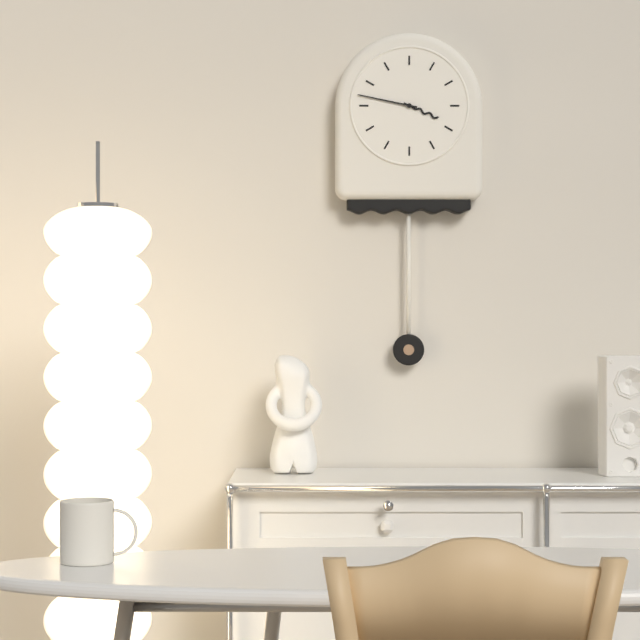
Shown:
h=3 m=47
